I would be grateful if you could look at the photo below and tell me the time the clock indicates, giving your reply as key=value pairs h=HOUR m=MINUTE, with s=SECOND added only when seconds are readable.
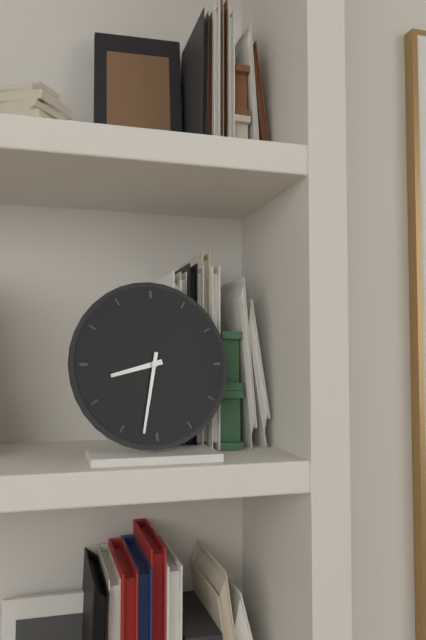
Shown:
h=8 m=32
